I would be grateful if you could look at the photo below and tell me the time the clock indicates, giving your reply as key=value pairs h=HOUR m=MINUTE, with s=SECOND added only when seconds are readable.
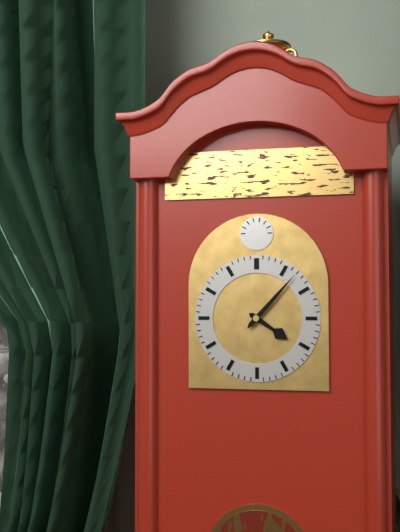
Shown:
h=4 m=7
